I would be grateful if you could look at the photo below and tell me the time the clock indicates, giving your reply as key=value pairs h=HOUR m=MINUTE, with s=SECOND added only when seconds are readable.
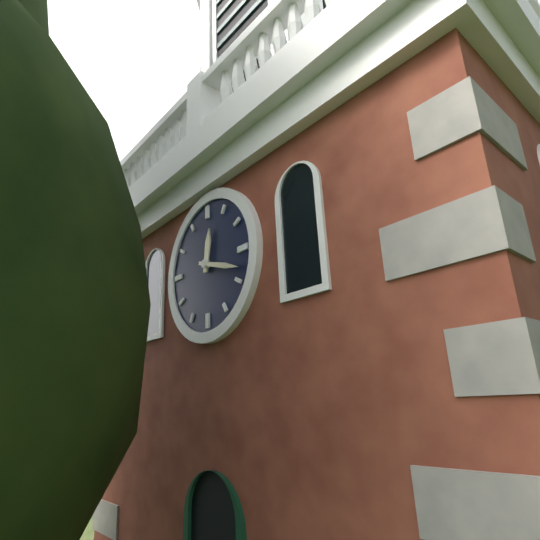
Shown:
h=12 m=18
